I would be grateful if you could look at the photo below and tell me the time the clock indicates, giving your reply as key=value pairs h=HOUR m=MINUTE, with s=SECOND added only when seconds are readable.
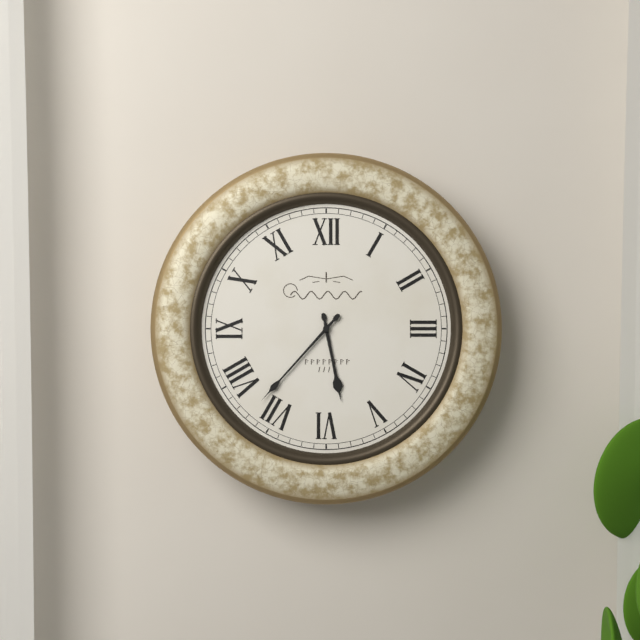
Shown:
h=5 m=37
